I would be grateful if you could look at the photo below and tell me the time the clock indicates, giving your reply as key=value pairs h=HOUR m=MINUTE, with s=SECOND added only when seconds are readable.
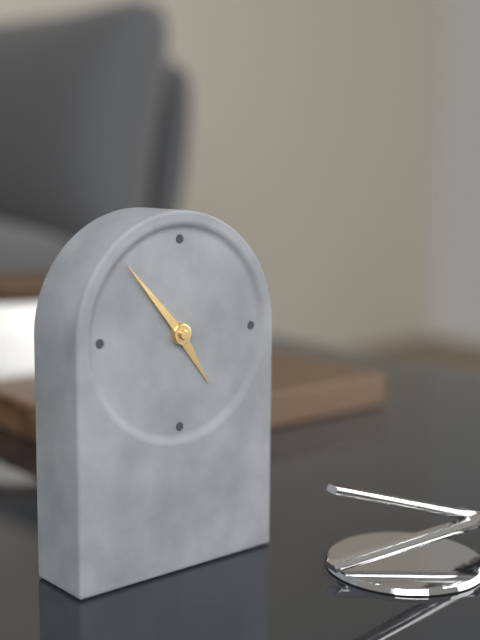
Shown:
h=4 m=53
